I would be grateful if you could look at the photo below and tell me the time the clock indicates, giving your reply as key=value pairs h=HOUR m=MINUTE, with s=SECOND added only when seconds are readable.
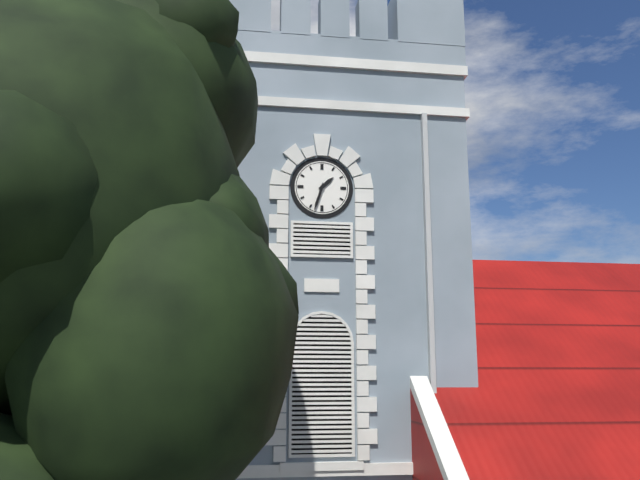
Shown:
h=1 m=33
